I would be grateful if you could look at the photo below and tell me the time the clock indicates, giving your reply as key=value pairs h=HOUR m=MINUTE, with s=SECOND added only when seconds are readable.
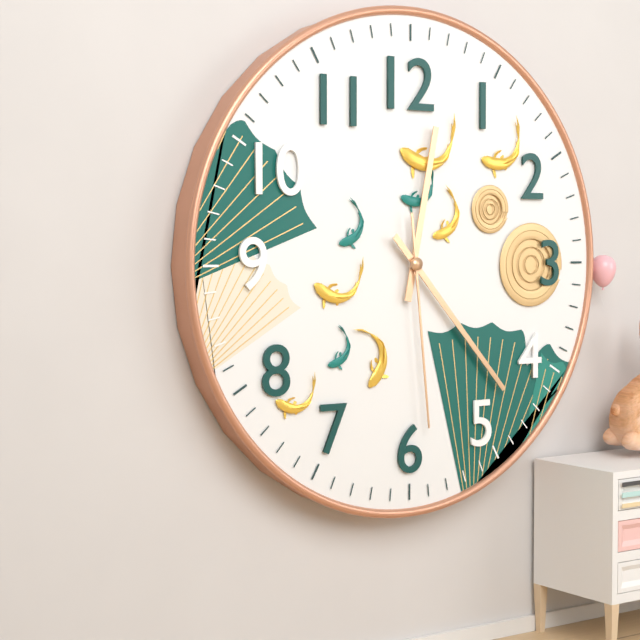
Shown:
h=12 m=23 s=29
